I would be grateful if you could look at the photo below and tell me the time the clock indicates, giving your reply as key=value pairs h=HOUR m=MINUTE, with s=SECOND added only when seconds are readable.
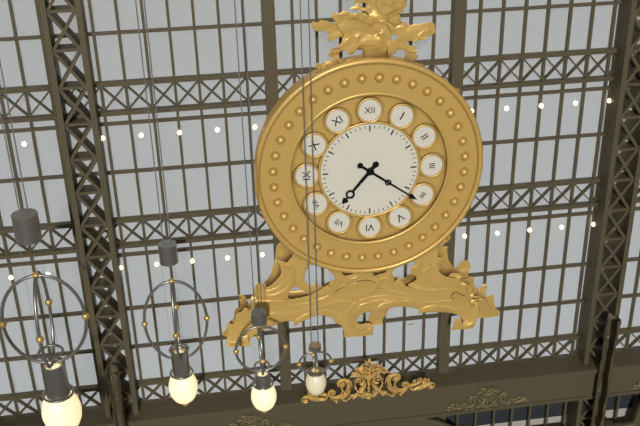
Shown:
h=7 m=21
